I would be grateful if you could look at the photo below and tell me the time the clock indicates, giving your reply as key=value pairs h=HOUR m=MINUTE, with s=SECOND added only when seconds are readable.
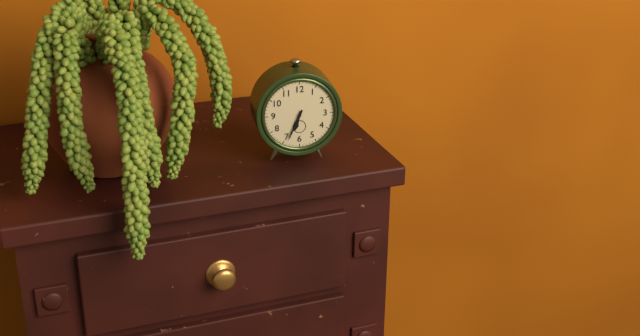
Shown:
h=6 m=34
